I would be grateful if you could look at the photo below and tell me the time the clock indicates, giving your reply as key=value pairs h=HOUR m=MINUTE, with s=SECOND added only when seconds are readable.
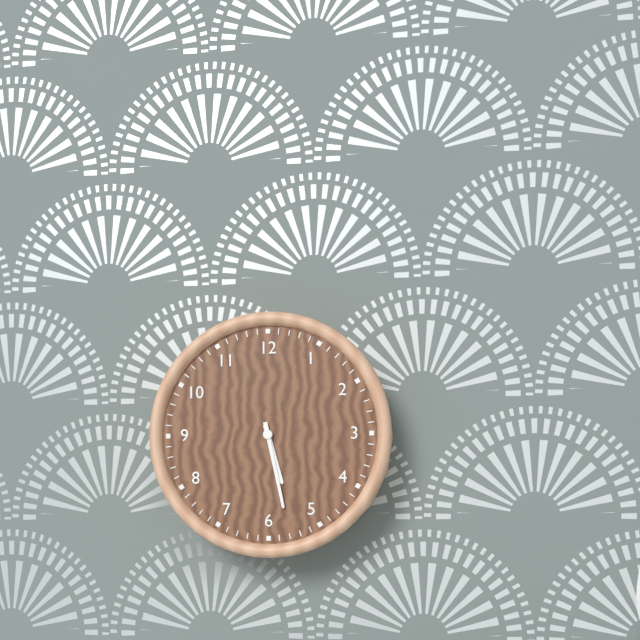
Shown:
h=5 m=28
